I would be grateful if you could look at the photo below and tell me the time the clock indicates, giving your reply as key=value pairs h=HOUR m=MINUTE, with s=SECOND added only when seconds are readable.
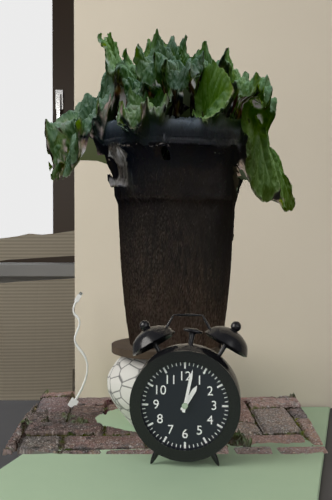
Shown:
h=1 m=2
